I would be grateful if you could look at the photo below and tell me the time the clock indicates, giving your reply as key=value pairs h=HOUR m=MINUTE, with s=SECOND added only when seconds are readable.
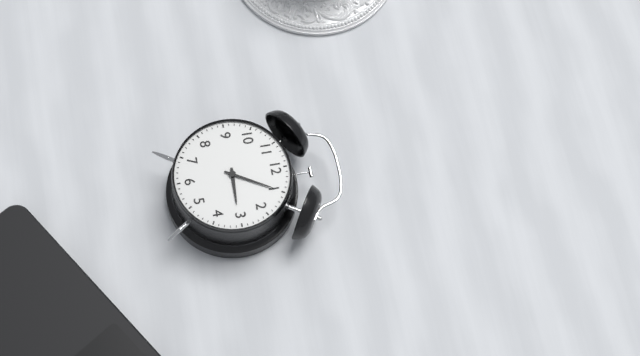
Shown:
h=3 m=5
